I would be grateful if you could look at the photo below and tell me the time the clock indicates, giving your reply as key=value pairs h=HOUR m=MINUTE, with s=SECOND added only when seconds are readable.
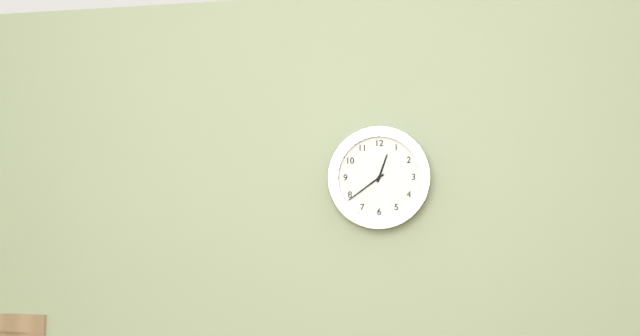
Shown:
h=12 m=39
